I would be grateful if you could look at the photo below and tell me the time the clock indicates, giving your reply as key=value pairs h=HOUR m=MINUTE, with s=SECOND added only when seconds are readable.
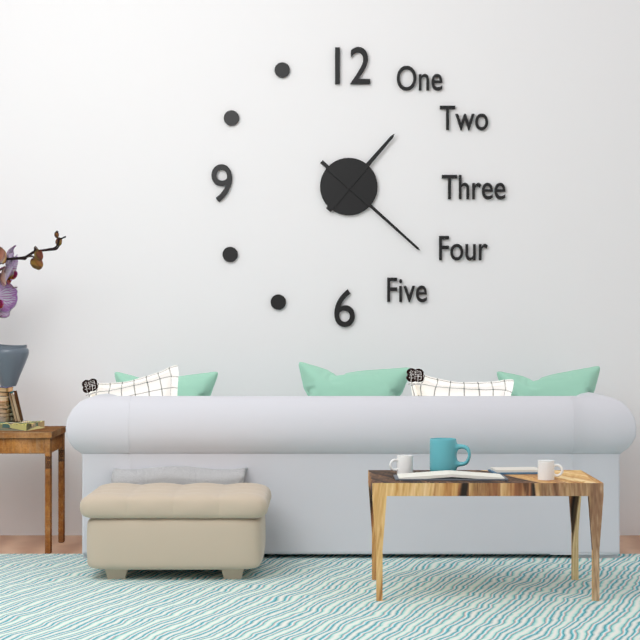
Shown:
h=1 m=22
